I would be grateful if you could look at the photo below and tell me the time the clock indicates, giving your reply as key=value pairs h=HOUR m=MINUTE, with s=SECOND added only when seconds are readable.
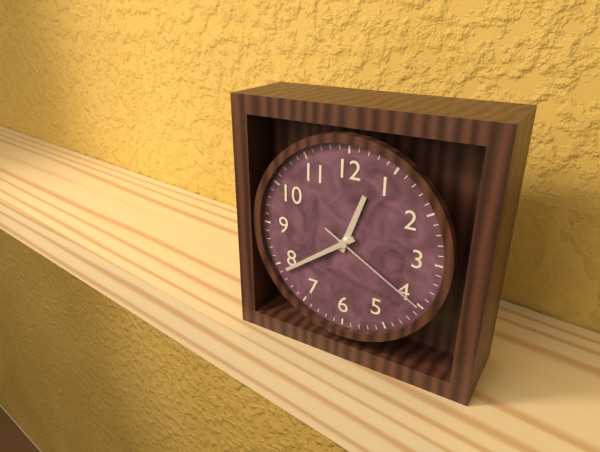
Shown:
h=12 m=39 s=20
